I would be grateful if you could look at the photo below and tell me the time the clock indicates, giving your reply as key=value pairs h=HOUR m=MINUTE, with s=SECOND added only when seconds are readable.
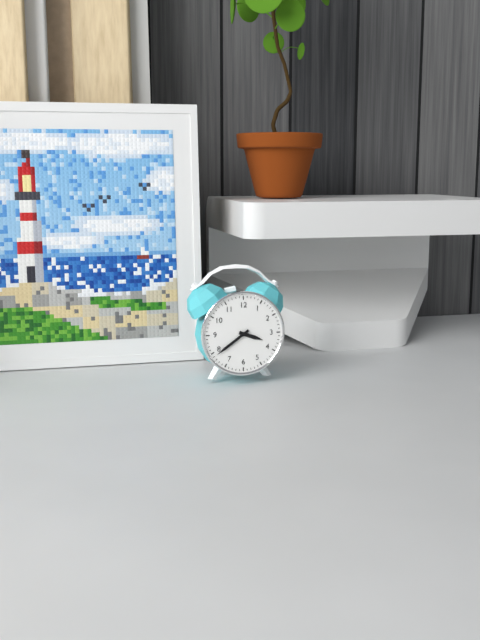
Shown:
h=3 m=39
